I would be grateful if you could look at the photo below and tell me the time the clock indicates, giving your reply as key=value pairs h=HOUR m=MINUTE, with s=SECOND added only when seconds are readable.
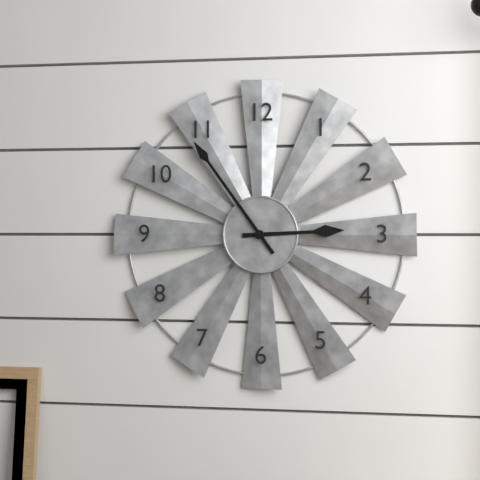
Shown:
h=2 m=54
